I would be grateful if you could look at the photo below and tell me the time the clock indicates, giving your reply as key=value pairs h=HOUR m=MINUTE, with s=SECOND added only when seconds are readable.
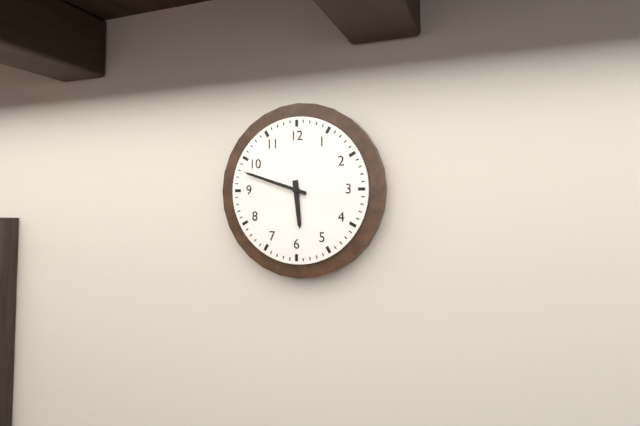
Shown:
h=5 m=48
